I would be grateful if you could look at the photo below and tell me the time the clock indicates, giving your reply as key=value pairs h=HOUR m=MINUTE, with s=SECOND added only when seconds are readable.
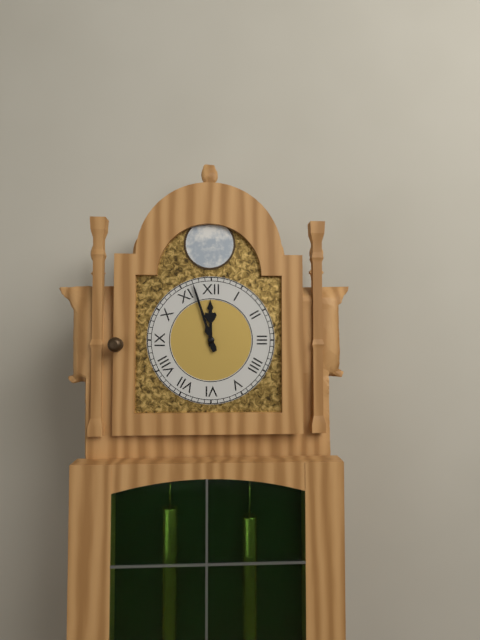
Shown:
h=11 m=57
